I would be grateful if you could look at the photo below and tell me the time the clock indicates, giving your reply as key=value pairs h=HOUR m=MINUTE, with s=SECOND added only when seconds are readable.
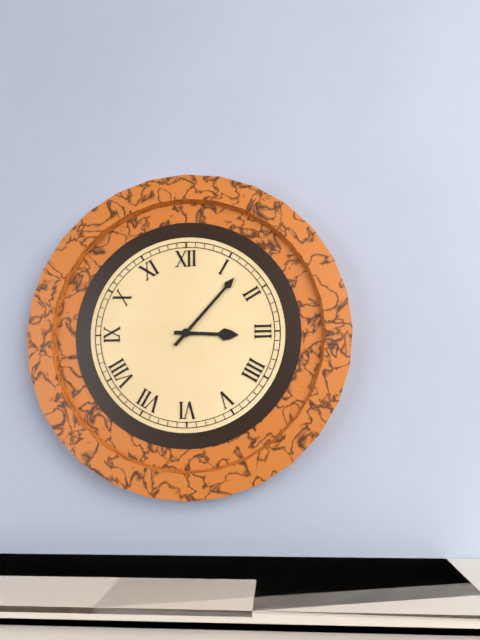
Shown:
h=3 m=7
